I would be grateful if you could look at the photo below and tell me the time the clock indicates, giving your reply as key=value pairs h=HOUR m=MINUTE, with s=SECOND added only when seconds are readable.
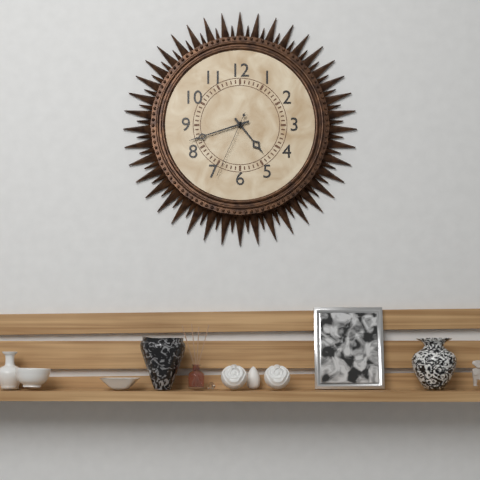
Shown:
h=4 m=42 s=34
